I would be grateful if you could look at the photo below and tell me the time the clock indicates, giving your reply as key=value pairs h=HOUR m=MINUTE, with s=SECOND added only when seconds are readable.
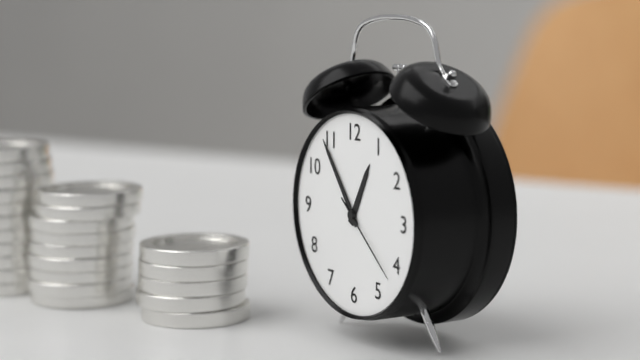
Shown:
h=12 m=54 s=22
